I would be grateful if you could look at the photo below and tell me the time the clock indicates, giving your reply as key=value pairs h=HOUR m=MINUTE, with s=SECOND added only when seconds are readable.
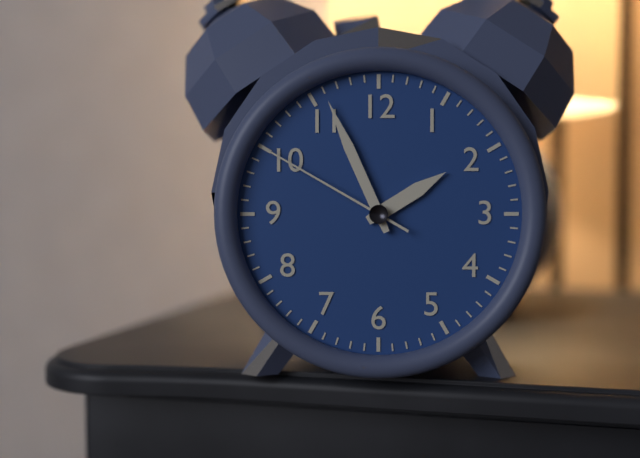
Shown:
h=1 m=56 s=50
